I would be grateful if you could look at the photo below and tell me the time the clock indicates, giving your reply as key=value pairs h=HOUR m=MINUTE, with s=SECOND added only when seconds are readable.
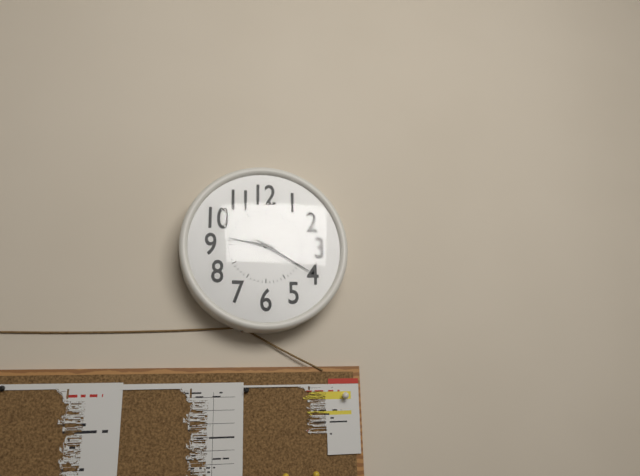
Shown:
h=9 m=20
